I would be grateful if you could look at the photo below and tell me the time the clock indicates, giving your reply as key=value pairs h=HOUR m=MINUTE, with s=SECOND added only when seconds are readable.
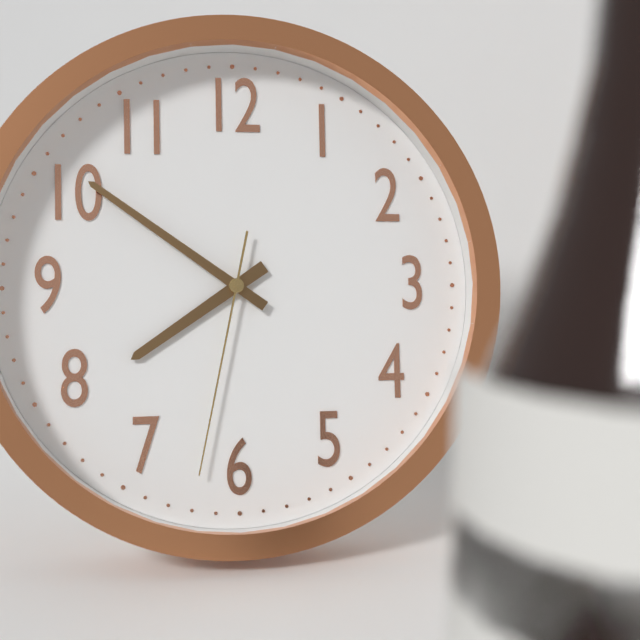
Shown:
h=7 m=51 s=32
